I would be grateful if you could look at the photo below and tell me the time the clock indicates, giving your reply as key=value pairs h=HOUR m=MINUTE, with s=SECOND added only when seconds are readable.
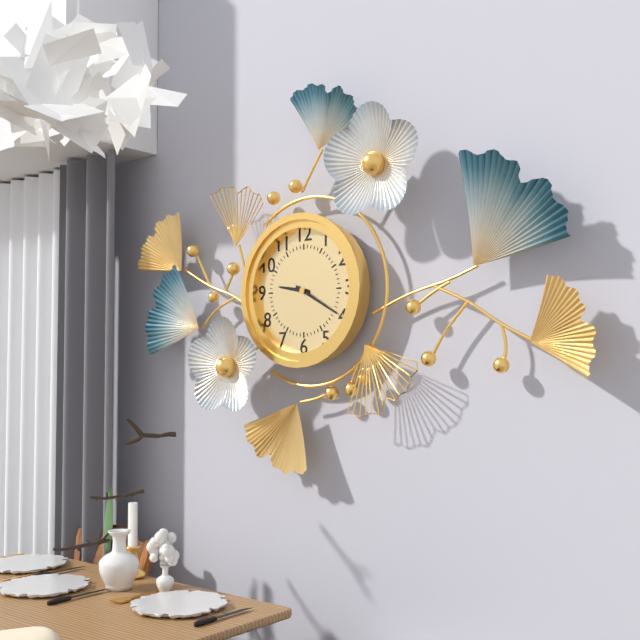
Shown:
h=9 m=20
